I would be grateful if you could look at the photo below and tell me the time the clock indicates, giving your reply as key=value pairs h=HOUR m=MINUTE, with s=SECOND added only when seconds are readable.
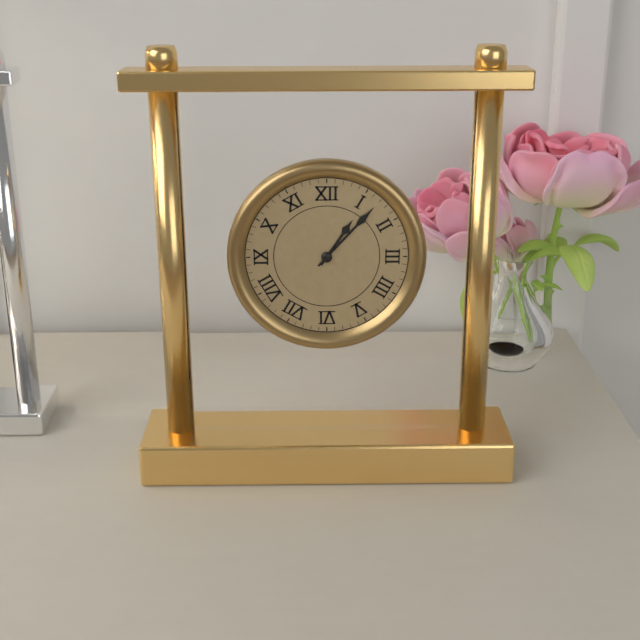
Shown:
h=1 m=7
